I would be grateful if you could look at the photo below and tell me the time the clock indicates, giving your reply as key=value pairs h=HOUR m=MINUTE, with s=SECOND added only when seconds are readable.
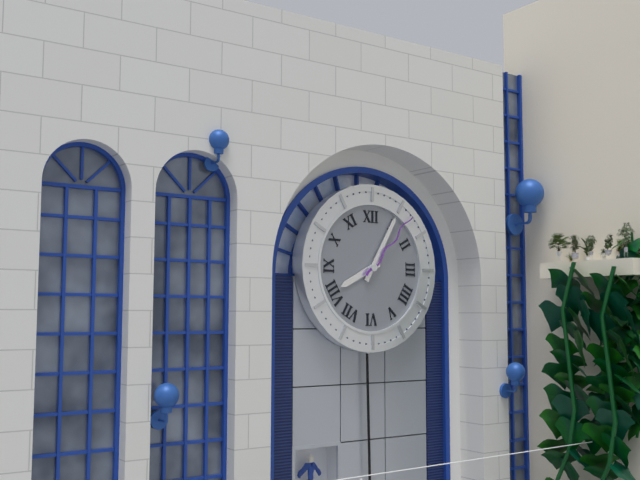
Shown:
h=8 m=5 s=7
